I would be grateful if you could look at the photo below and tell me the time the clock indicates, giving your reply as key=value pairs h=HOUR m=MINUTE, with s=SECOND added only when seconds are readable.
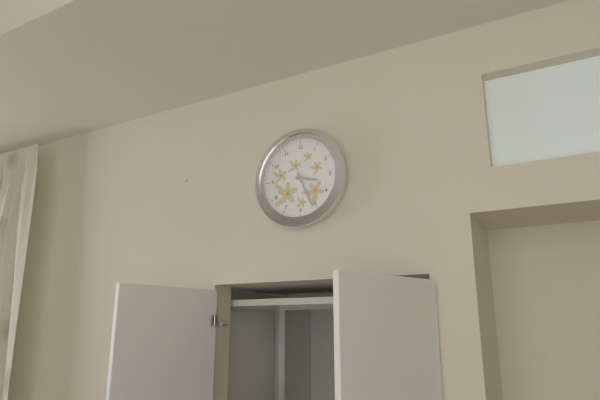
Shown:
h=3 m=26
